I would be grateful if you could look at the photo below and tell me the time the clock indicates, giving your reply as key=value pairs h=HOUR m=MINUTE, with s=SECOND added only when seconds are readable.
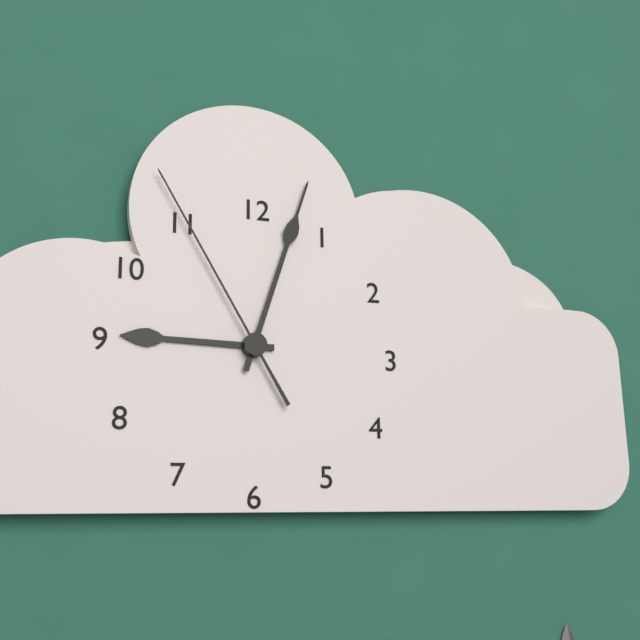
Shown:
h=9 m=3 s=55
